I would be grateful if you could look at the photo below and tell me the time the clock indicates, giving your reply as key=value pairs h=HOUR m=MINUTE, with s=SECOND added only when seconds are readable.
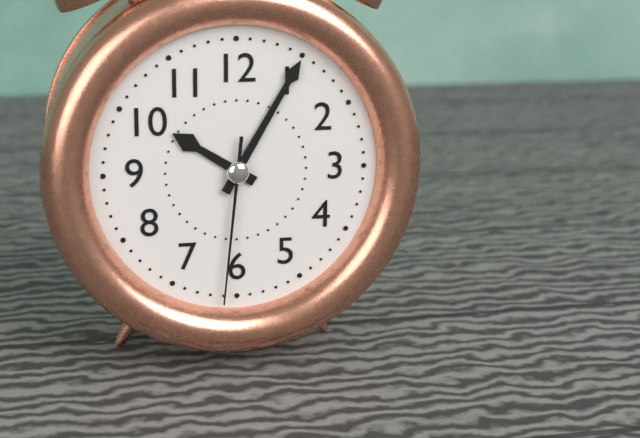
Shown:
h=10 m=5 s=31
